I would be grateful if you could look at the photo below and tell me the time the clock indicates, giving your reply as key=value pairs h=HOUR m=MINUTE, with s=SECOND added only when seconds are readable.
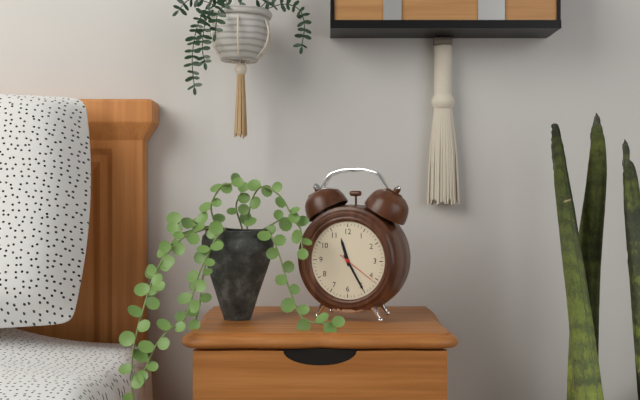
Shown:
h=11 m=25
